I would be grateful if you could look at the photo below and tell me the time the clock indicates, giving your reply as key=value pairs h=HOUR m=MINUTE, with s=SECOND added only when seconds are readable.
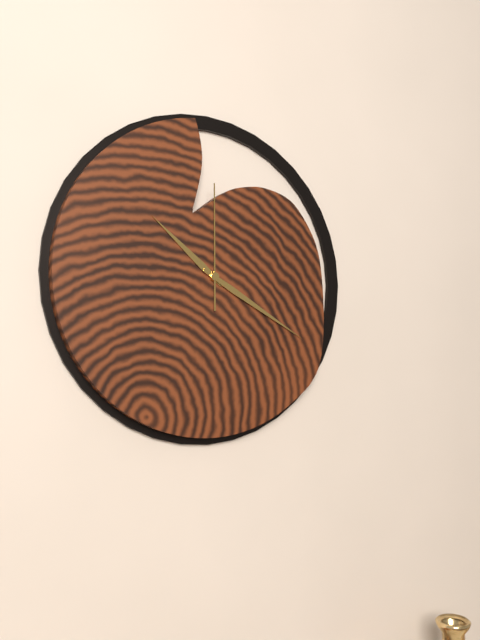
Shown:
h=10 m=20 s=0
